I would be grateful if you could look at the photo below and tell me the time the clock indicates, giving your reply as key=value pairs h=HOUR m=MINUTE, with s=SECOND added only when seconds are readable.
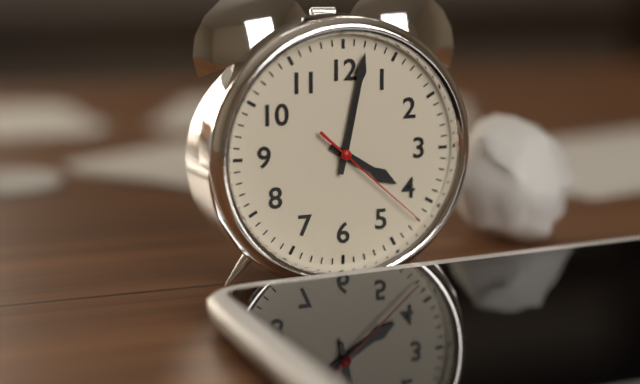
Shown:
h=4 m=2 s=22
